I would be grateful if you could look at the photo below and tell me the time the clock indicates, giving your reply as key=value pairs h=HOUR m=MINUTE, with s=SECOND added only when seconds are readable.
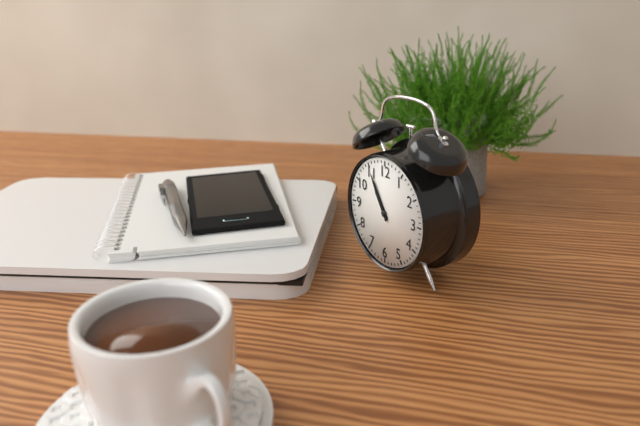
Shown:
h=10 m=55
